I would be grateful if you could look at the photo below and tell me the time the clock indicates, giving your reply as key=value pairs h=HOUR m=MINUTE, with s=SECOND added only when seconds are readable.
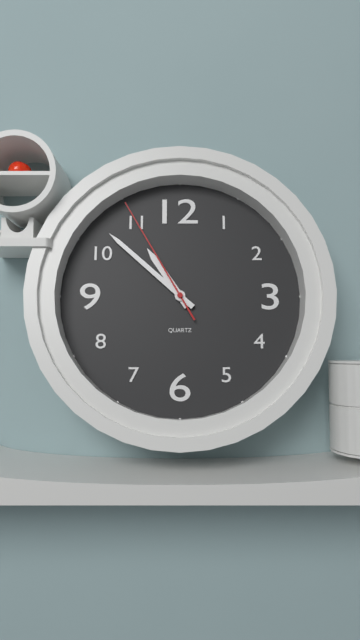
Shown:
h=10 m=52 s=55
